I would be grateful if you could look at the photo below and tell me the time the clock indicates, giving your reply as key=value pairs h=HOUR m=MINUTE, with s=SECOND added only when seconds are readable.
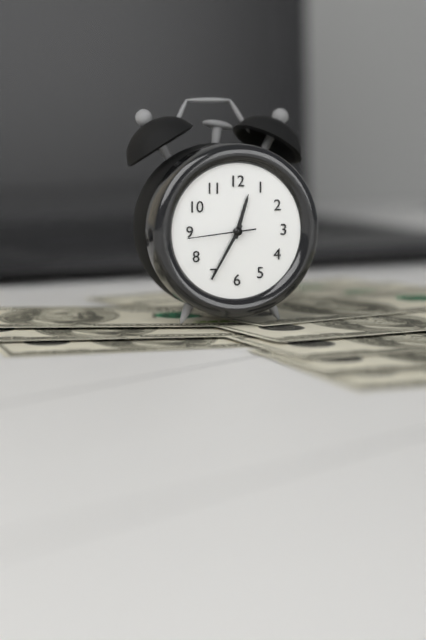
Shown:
h=12 m=35 s=44
